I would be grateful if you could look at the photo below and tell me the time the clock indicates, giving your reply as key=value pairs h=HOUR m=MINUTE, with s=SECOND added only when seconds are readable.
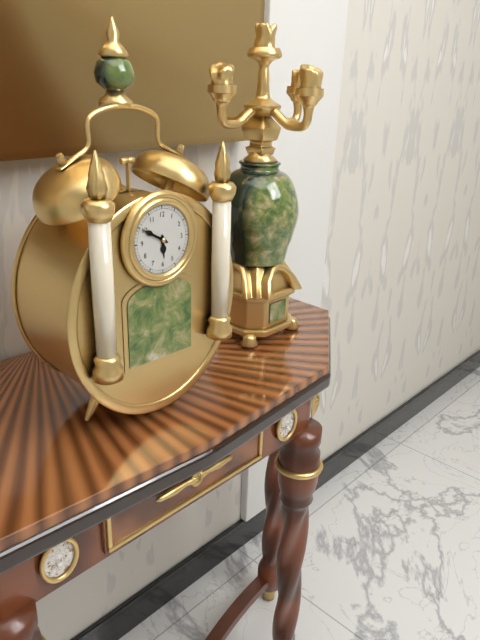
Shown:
h=5 m=50
